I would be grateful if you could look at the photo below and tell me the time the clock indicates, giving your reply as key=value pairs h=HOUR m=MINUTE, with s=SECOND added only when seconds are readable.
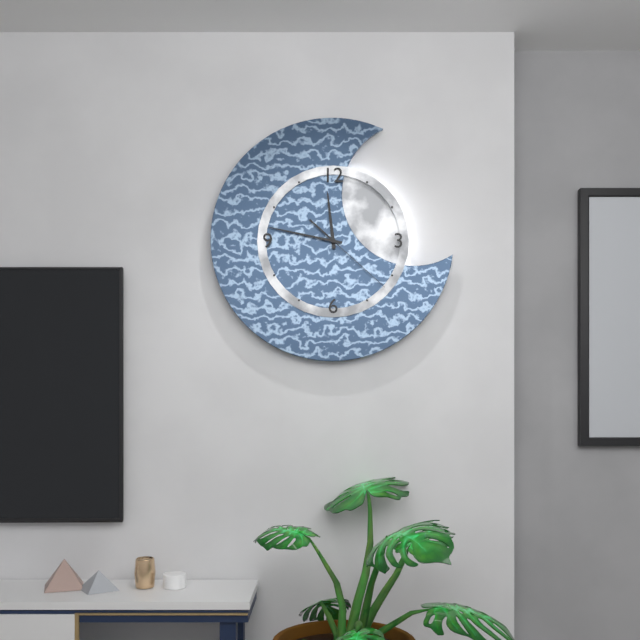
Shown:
h=11 m=47 s=22
